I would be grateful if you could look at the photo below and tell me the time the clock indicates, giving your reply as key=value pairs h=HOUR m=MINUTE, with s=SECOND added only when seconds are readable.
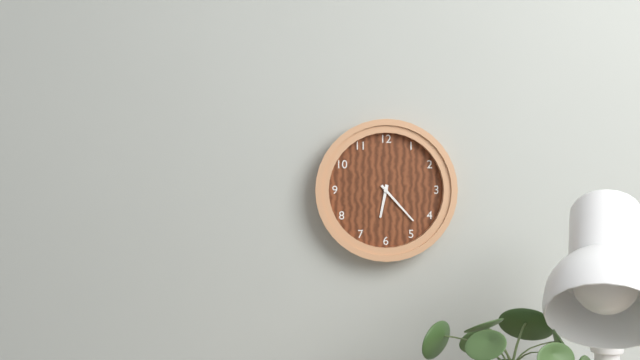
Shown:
h=6 m=23
